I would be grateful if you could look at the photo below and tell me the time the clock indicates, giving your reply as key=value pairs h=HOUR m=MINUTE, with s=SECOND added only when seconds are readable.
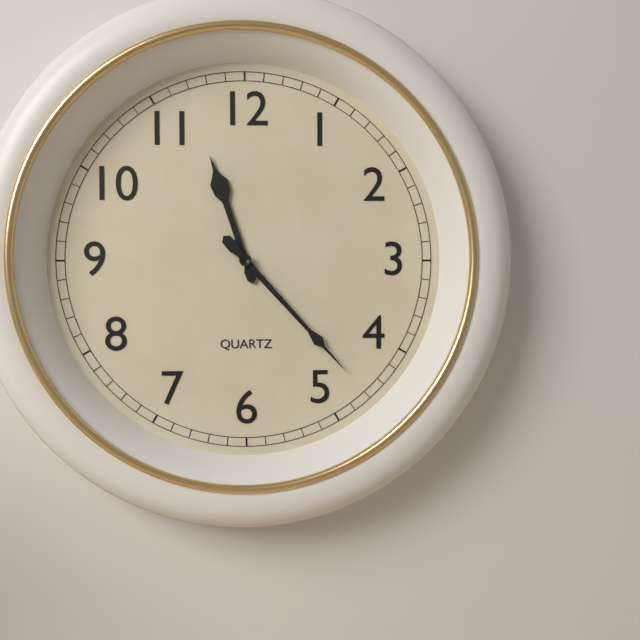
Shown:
h=11 m=23
